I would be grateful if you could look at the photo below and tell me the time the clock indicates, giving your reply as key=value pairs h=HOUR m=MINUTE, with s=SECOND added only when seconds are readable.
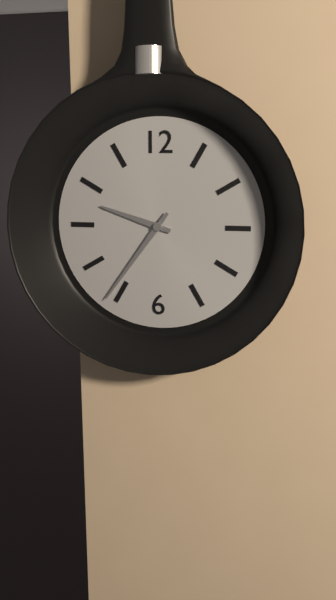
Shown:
h=9 m=36
